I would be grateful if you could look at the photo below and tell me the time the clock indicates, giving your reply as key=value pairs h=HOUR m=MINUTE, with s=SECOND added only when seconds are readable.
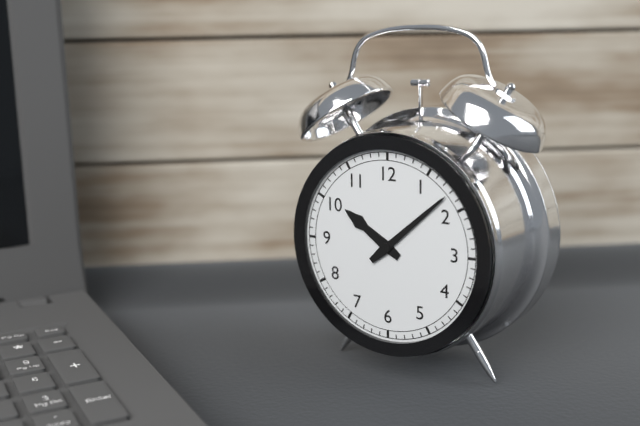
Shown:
h=10 m=8
